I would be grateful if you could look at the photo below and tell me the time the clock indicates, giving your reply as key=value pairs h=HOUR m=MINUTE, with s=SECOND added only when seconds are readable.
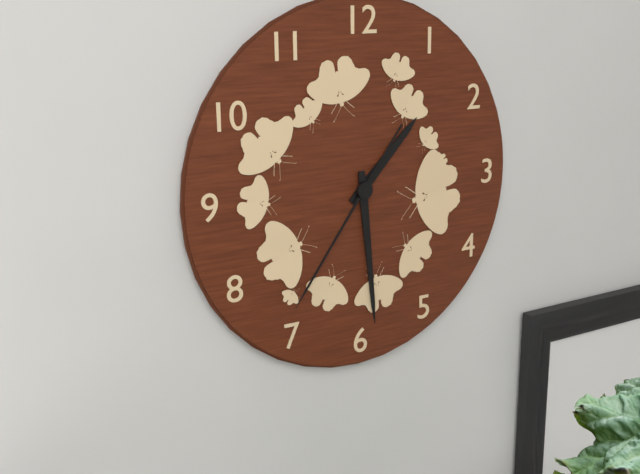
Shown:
h=1 m=29 s=36
